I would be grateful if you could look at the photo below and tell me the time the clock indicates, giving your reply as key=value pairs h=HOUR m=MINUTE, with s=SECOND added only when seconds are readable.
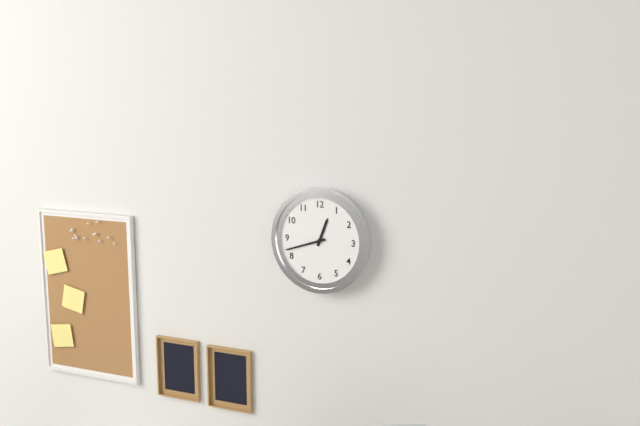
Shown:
h=12 m=42
